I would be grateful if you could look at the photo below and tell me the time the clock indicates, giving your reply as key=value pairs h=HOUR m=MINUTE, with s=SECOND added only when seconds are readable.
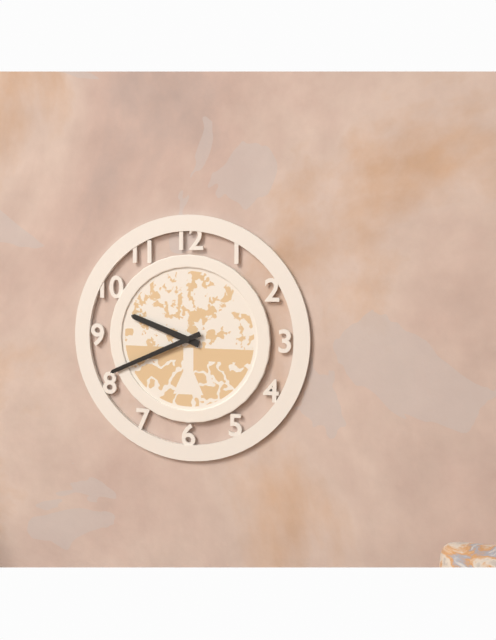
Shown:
h=9 m=41
